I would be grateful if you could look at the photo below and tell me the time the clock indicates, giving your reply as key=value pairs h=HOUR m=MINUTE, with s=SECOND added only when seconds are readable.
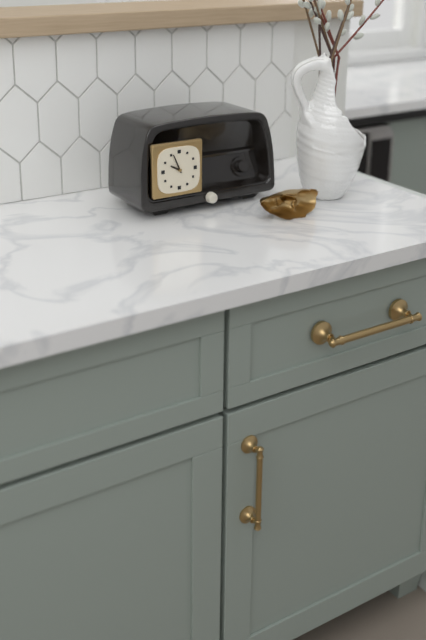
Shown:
h=9 m=56
